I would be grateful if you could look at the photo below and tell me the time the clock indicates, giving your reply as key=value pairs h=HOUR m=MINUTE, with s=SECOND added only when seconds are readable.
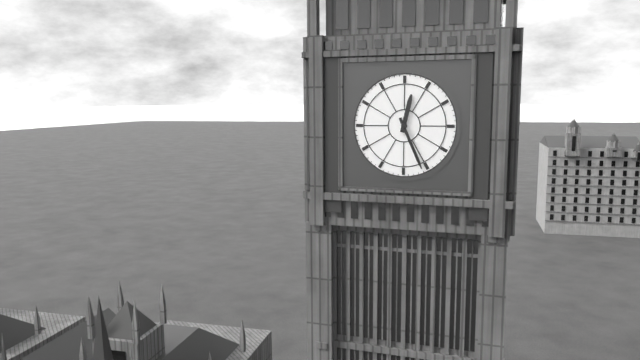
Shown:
h=12 m=26
